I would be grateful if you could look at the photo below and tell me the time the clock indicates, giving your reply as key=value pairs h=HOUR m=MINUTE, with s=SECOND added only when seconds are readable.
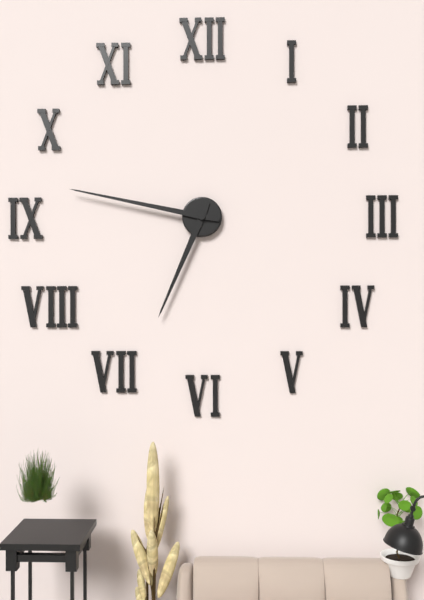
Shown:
h=6 m=47
